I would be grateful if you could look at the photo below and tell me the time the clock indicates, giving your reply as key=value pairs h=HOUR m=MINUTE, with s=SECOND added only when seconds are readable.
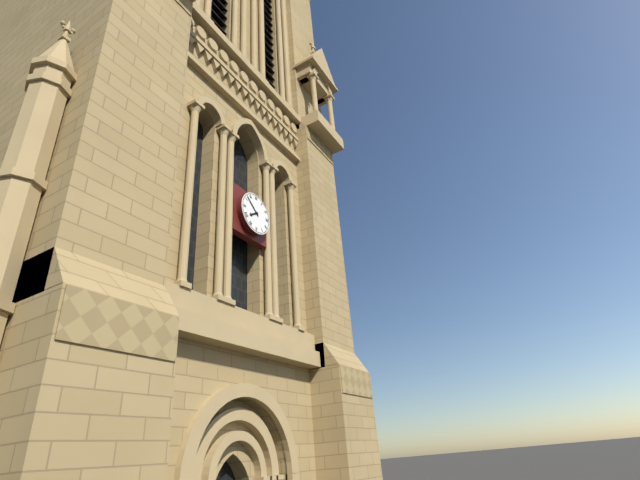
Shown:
h=7 m=52
